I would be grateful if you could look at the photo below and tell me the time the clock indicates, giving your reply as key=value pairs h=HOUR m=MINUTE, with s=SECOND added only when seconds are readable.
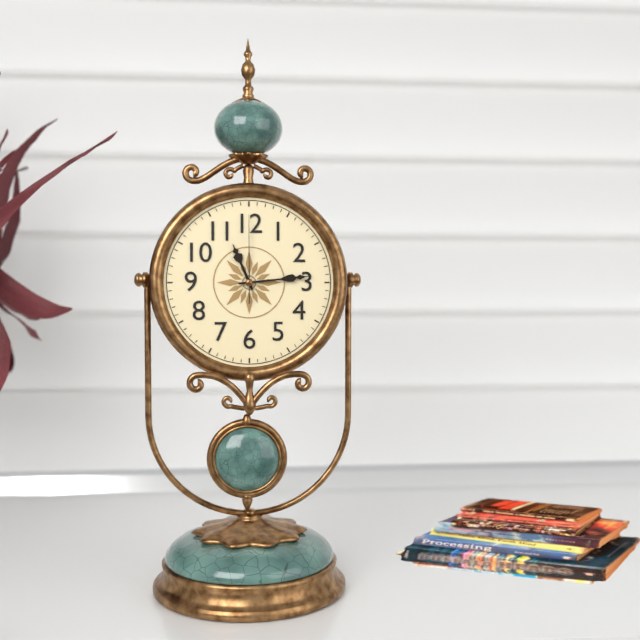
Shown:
h=11 m=14 s=0
